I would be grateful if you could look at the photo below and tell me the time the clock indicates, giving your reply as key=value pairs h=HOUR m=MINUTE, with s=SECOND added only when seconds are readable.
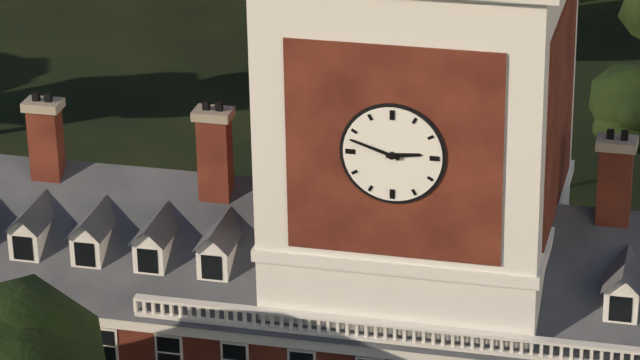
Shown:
h=2 m=48
